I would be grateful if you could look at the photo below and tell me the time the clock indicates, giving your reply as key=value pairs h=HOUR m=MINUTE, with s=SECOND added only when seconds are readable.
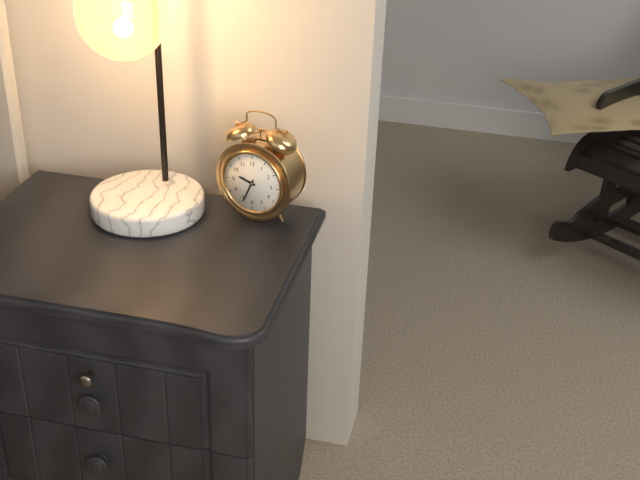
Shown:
h=9 m=34
